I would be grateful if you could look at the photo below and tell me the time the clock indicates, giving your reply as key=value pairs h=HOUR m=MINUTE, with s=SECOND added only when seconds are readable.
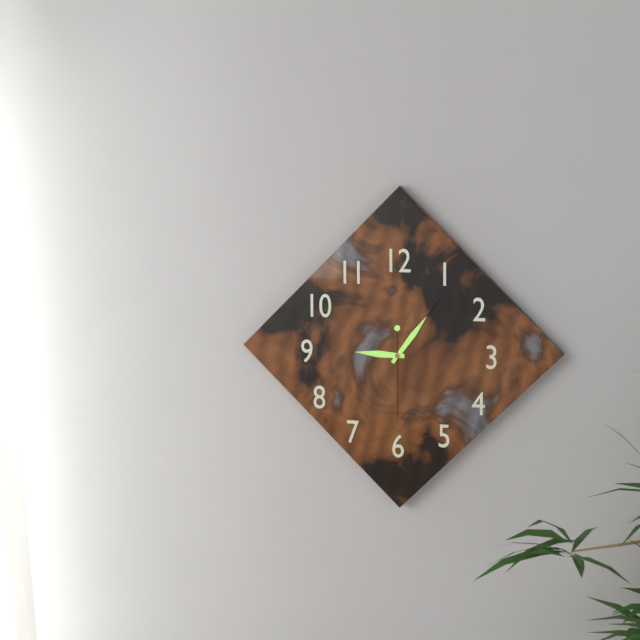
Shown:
h=9 m=6 s=30
